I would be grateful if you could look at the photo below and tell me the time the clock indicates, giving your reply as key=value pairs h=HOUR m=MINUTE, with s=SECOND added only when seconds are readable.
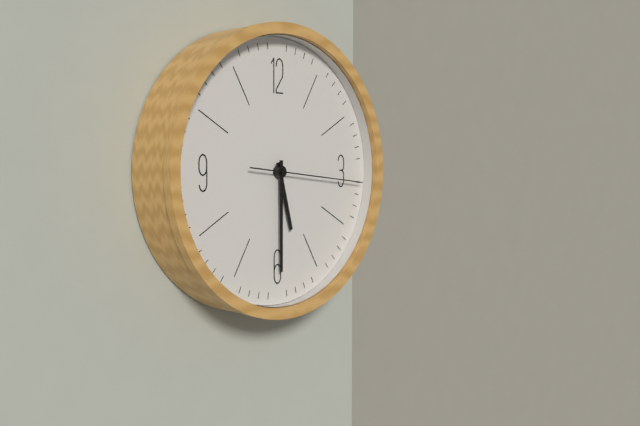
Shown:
h=5 m=30 s=16
